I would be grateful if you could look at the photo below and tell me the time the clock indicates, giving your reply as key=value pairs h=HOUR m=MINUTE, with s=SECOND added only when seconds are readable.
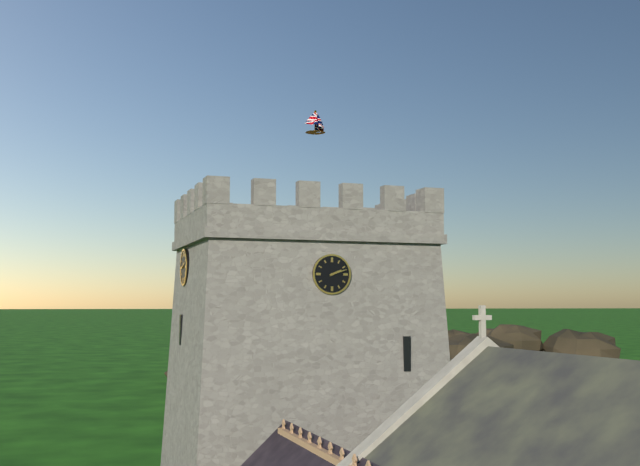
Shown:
h=2 m=12
